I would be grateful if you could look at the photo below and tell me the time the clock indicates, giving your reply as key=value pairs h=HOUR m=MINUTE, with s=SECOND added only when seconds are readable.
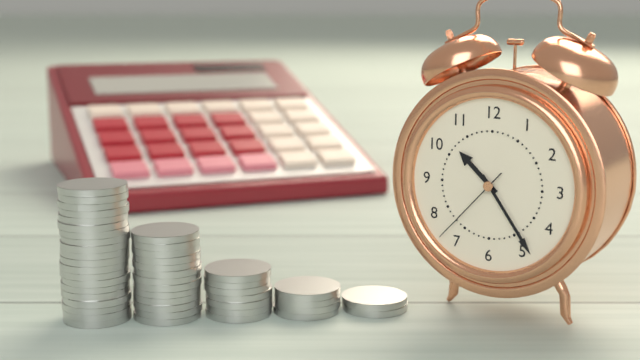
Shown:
h=10 m=24 s=37
